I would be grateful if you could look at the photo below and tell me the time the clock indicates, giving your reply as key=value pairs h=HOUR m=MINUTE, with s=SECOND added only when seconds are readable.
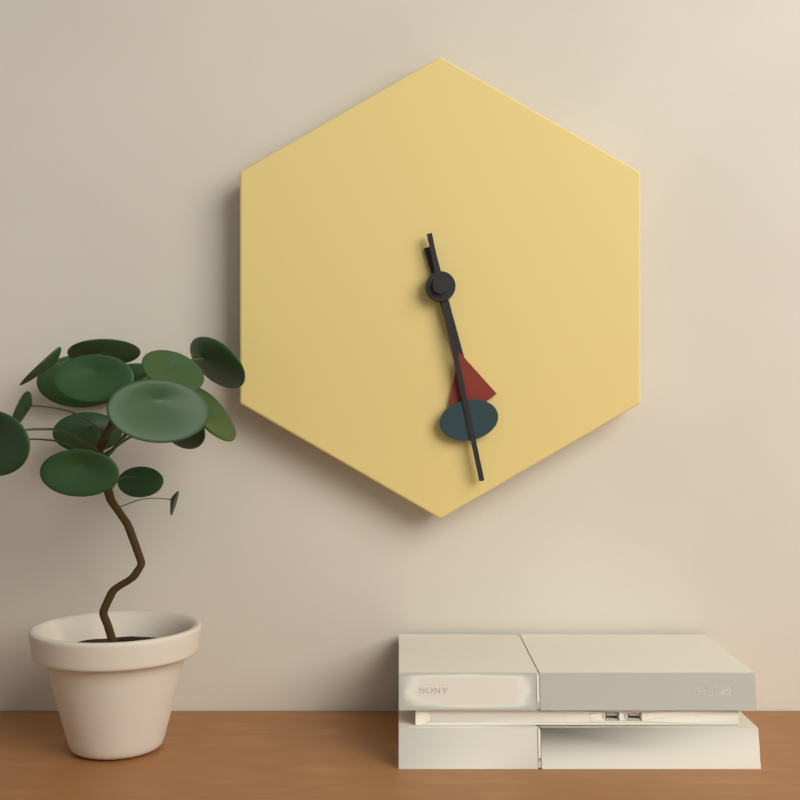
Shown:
h=5 m=28
